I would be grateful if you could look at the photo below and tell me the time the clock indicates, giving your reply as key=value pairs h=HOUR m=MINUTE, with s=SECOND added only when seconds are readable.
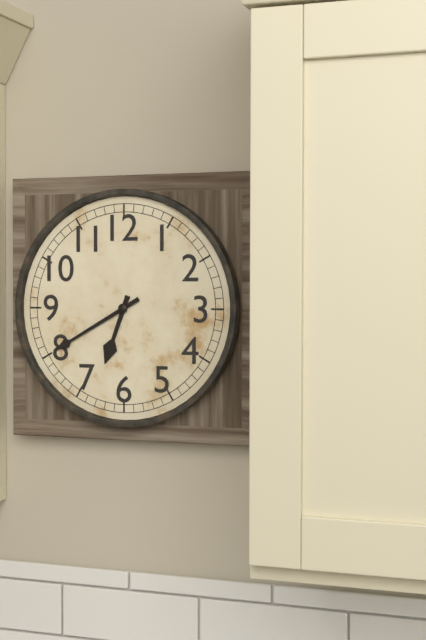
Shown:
h=6 m=40
